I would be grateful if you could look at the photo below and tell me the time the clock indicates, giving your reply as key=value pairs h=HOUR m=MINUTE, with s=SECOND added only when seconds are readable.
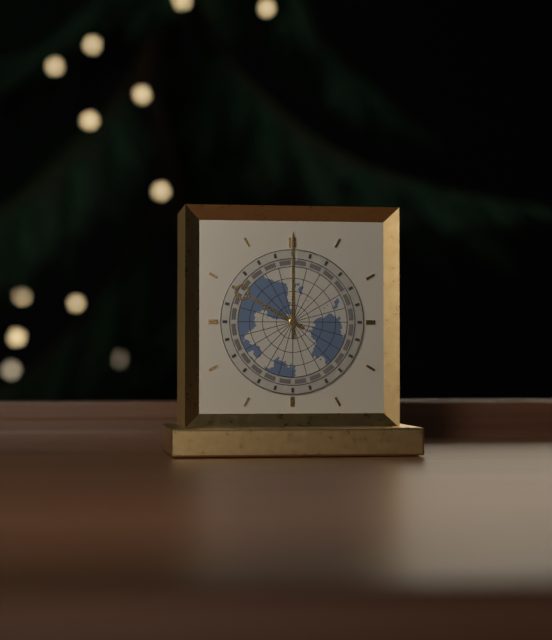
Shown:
h=10 m=0
